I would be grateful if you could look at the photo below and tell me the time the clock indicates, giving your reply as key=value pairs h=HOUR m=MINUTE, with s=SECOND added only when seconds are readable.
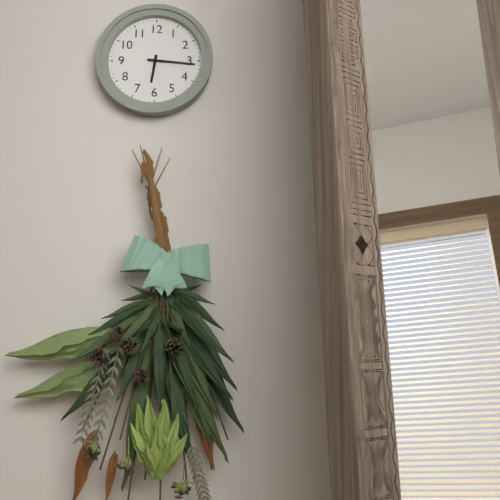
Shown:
h=6 m=16
